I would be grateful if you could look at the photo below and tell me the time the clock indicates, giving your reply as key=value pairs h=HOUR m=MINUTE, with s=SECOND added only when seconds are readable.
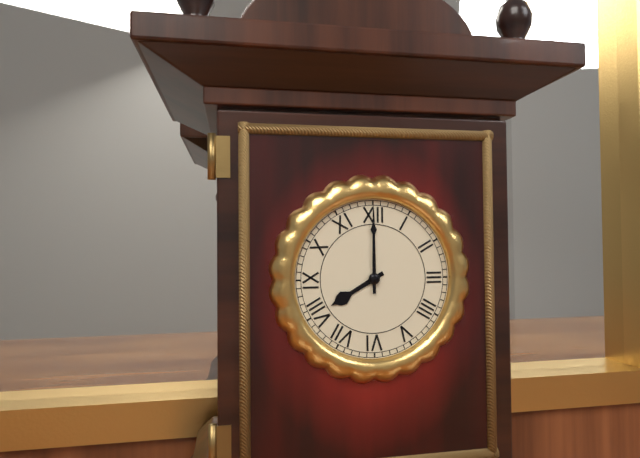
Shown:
h=8 m=0
